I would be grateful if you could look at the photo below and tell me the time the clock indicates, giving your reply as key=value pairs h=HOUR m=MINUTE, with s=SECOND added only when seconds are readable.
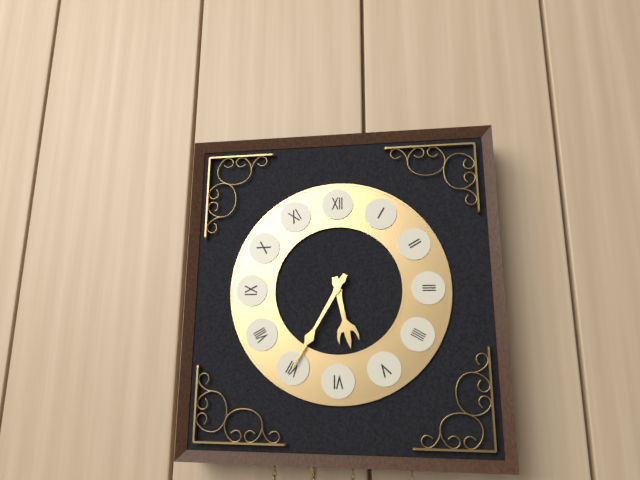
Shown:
h=5 m=35
